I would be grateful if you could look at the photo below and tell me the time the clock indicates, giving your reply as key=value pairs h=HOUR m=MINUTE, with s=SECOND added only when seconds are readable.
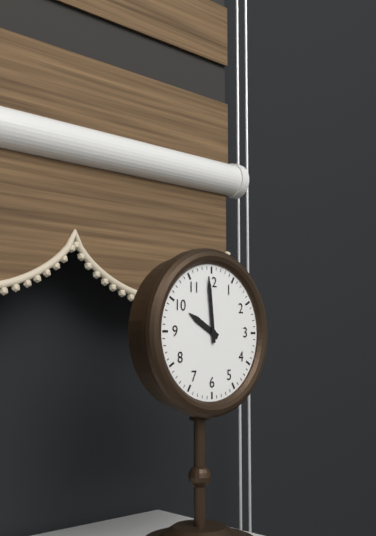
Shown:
h=9 m=59
